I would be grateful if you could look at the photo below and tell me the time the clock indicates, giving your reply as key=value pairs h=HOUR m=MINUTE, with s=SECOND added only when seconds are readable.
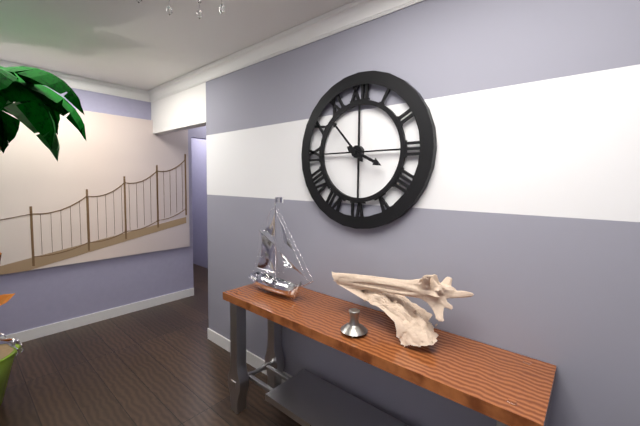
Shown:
h=3 m=53
